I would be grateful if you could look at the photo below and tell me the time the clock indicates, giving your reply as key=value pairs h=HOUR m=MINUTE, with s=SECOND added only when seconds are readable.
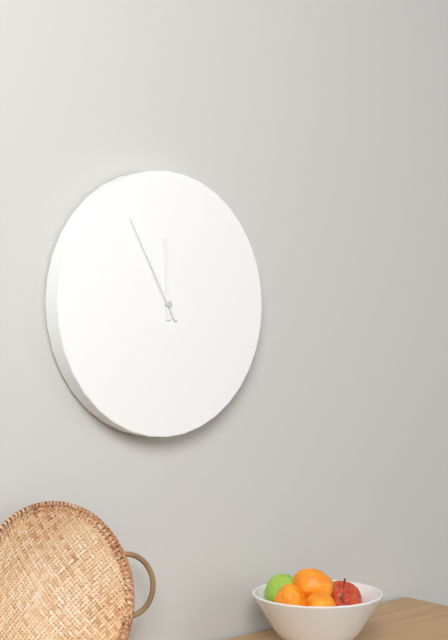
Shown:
h=11 m=55
